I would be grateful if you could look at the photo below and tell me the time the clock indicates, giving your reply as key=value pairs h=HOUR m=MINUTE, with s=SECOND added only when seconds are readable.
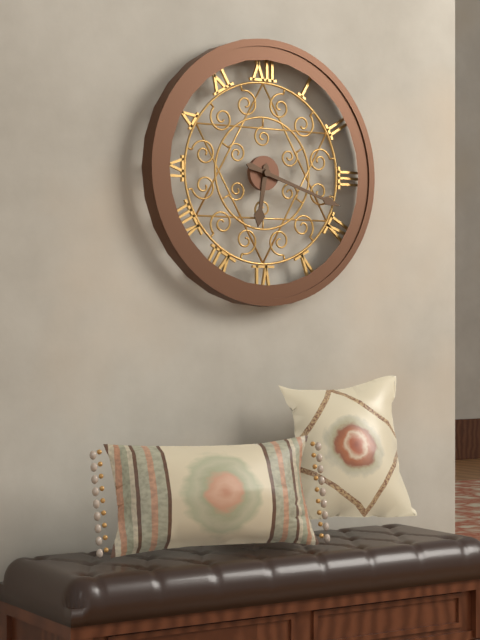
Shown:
h=6 m=18
